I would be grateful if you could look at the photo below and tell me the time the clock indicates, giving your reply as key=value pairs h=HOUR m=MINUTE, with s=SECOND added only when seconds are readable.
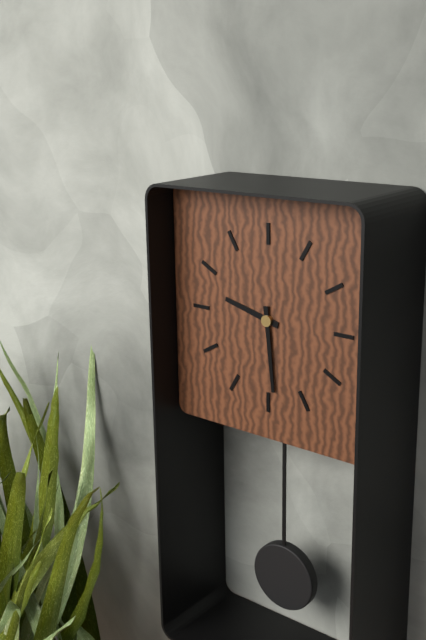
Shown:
h=9 m=29
